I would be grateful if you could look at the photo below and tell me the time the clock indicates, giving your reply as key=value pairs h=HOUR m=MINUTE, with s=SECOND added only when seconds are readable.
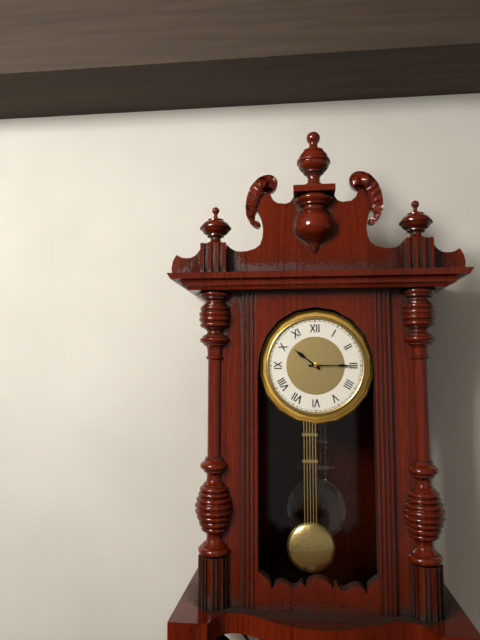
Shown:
h=10 m=15
